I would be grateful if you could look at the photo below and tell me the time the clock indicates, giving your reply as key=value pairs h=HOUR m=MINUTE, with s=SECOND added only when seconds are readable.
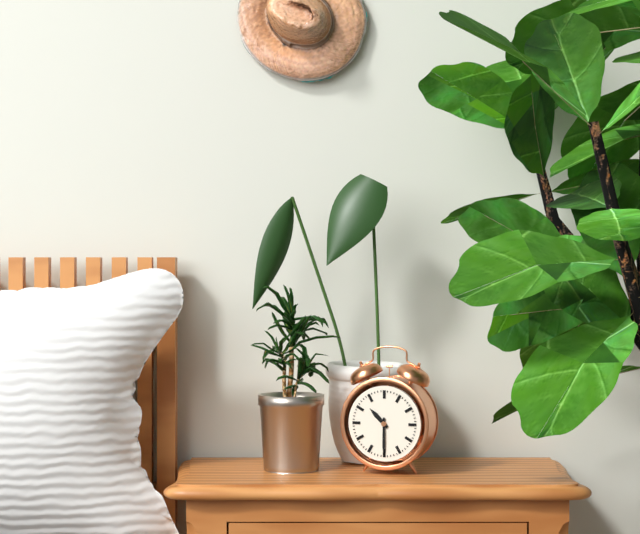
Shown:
h=10 m=30
